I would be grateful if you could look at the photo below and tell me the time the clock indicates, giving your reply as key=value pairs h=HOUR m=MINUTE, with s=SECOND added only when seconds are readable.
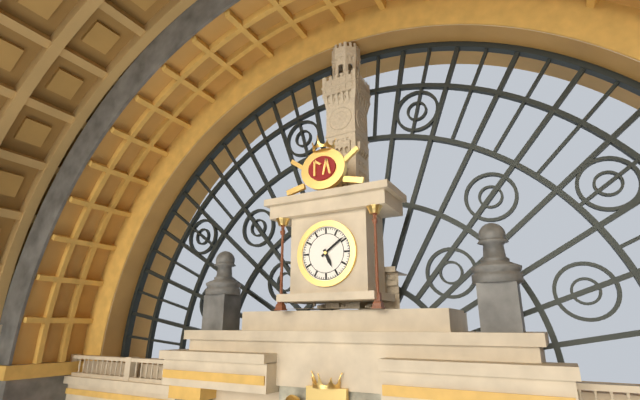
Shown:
h=5 m=9
